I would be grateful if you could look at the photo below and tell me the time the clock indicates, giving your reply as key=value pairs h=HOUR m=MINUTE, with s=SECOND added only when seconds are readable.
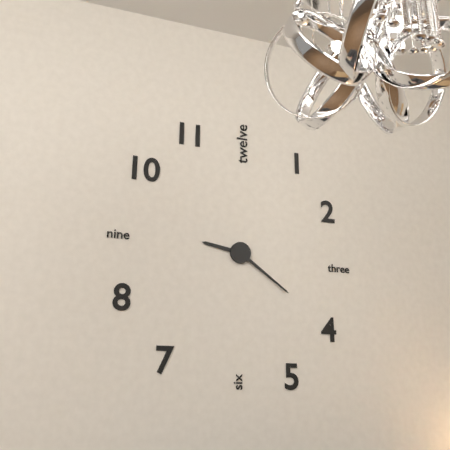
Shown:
h=9 m=21
